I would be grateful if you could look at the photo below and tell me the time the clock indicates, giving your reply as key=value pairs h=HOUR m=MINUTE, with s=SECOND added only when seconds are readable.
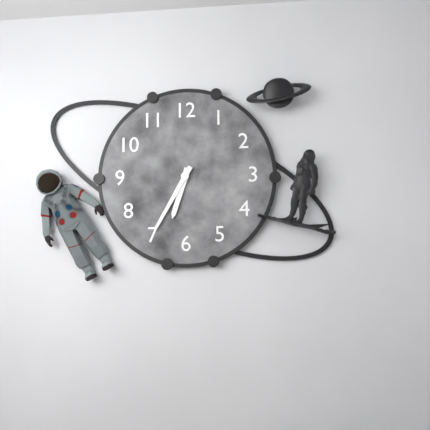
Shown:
h=6 m=35
